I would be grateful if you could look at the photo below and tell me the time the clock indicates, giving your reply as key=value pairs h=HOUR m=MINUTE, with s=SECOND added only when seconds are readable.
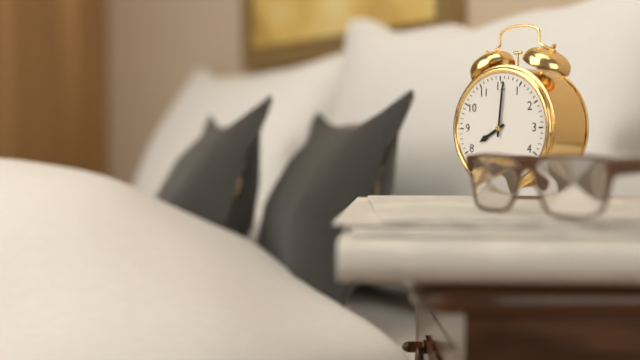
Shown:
h=8 m=1
